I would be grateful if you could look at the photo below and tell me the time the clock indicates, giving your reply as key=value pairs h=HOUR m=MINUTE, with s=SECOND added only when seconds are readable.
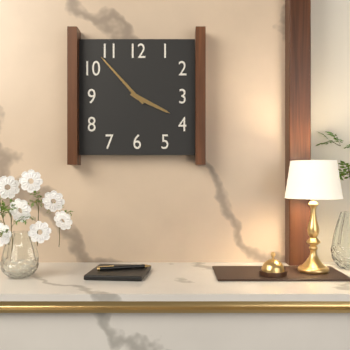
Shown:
h=3 m=53
